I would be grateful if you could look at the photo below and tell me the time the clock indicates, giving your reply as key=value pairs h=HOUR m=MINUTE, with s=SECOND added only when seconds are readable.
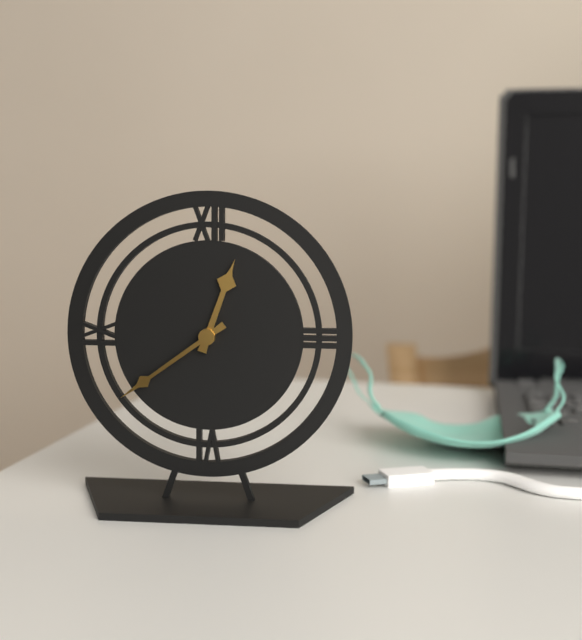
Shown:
h=12 m=39
